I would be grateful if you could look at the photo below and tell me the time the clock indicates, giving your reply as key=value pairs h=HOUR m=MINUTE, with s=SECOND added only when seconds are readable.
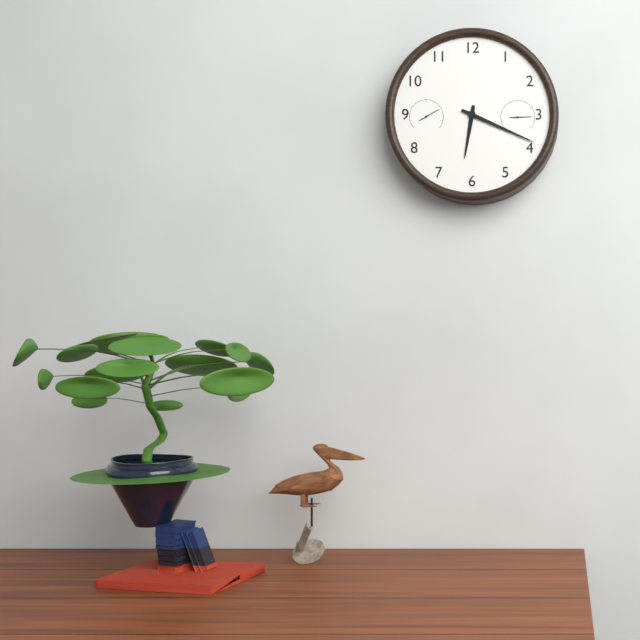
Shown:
h=6 m=19
